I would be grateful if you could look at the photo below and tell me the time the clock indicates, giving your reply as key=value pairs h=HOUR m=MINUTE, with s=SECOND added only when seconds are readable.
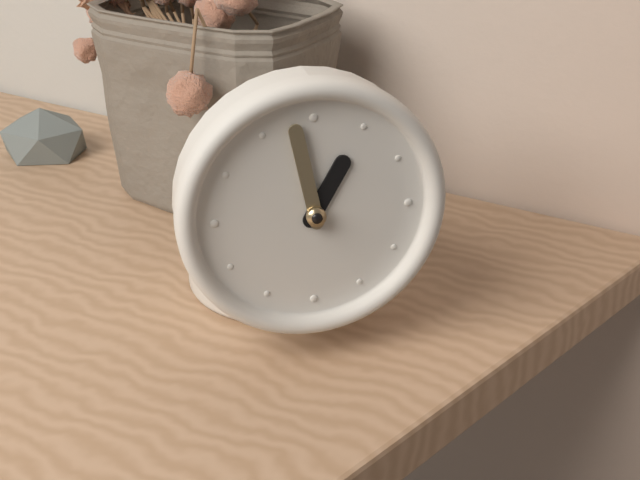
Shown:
h=12 m=58
